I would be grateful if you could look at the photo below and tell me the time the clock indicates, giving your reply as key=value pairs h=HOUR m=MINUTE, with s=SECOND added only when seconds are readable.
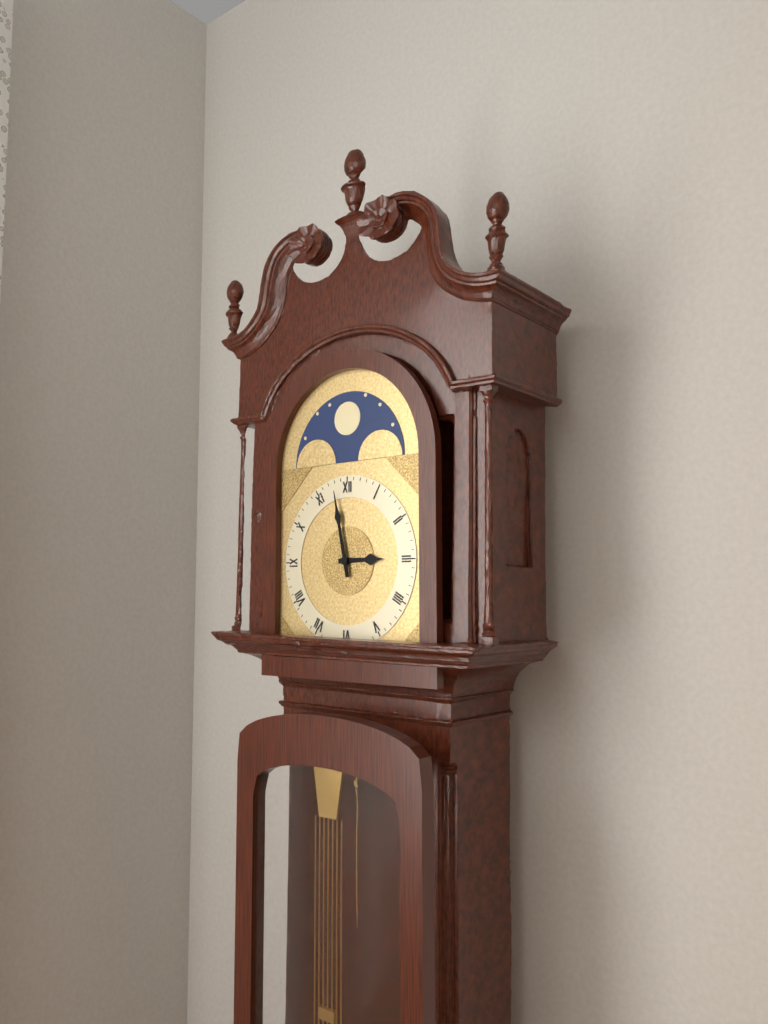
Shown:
h=2 m=58
